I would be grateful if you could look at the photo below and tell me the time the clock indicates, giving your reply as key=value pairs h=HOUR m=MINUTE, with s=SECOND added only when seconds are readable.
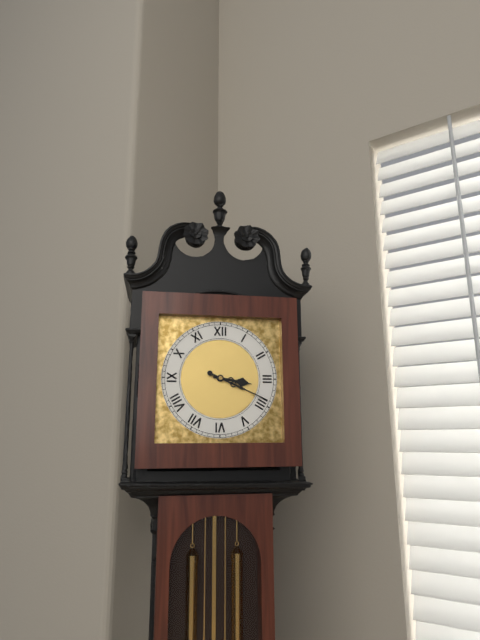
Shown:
h=3 m=19
